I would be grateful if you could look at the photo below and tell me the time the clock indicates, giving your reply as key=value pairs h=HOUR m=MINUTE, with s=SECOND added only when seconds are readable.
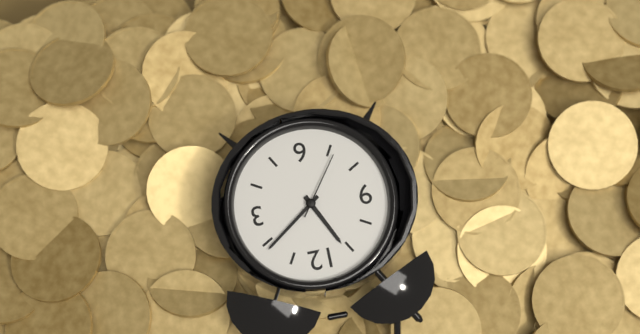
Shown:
h=11 m=9 s=36
